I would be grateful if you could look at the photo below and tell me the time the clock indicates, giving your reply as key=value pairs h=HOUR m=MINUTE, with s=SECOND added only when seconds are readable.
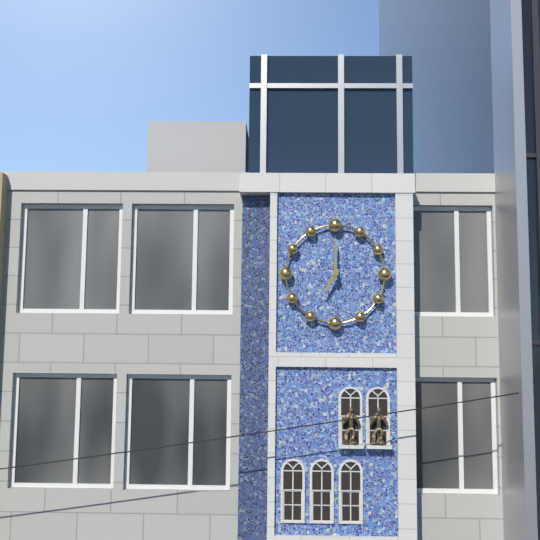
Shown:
h=7 m=0
